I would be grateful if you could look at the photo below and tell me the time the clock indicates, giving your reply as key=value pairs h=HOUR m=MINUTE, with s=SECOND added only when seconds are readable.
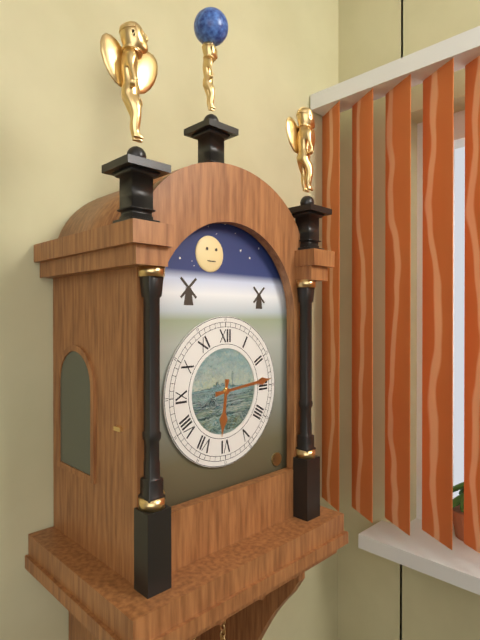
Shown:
h=6 m=14
